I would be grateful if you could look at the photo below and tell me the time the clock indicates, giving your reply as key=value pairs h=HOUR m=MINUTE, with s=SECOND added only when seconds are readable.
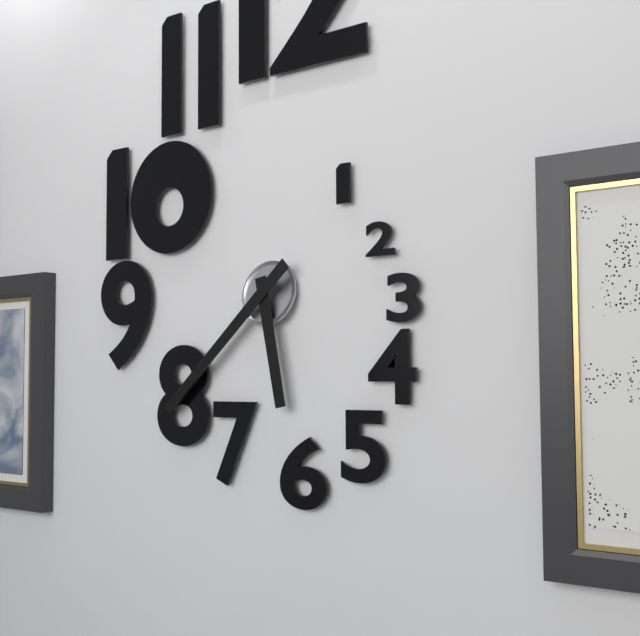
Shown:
h=5 m=38
